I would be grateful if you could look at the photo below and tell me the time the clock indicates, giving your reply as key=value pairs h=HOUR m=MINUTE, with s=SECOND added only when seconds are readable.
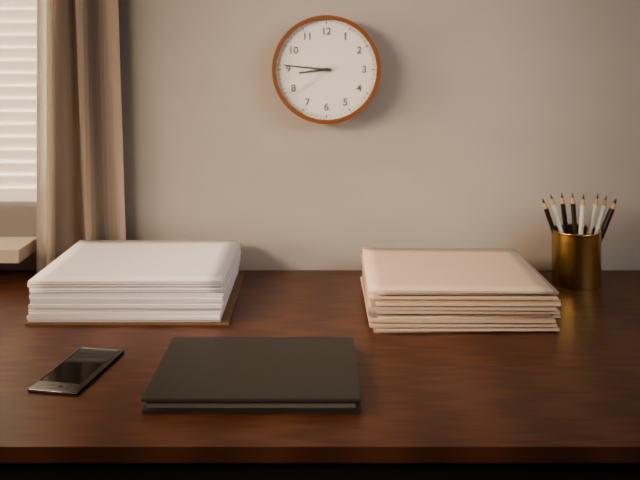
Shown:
h=8 m=46 s=39
